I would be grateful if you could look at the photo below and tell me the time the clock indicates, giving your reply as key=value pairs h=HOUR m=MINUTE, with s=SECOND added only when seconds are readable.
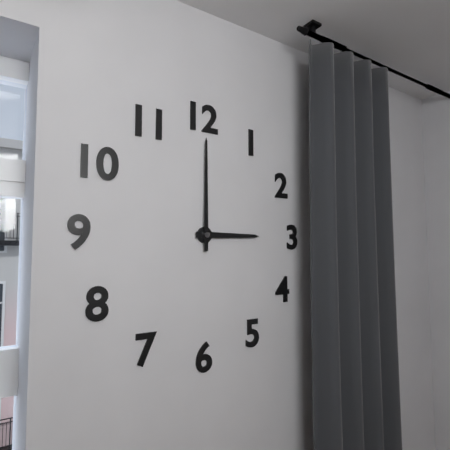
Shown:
h=3 m=0
